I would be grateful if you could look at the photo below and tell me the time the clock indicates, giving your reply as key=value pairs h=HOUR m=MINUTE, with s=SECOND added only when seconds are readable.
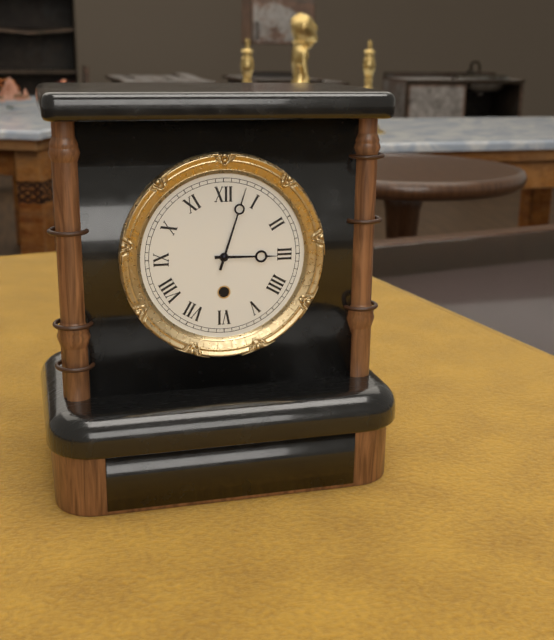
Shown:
h=3 m=3
